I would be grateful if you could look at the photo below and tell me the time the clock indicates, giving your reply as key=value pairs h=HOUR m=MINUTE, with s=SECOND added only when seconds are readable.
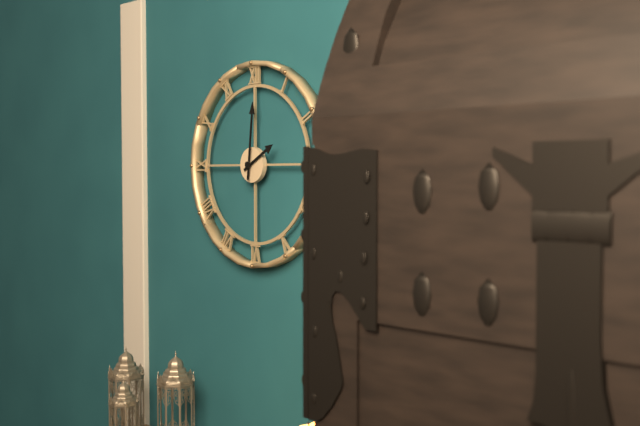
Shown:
h=2 m=1
